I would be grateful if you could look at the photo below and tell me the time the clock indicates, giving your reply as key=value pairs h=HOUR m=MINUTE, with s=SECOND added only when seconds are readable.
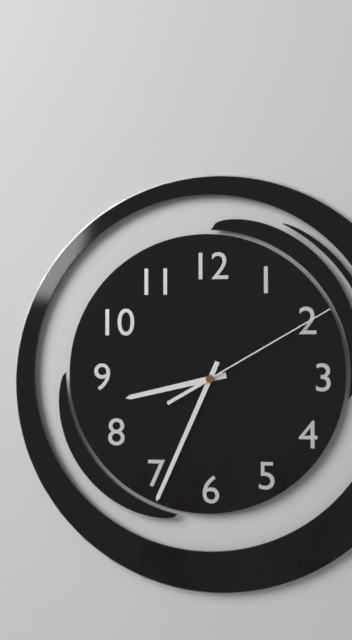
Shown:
h=8 m=34 s=10
